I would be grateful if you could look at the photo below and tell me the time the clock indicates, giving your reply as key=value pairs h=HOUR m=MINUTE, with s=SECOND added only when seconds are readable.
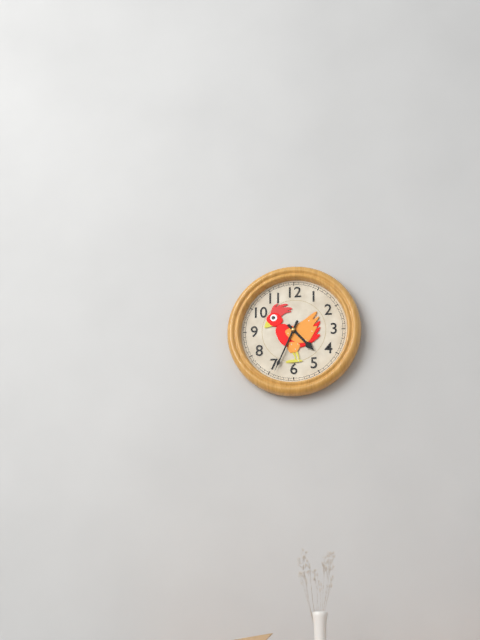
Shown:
h=4 m=34
